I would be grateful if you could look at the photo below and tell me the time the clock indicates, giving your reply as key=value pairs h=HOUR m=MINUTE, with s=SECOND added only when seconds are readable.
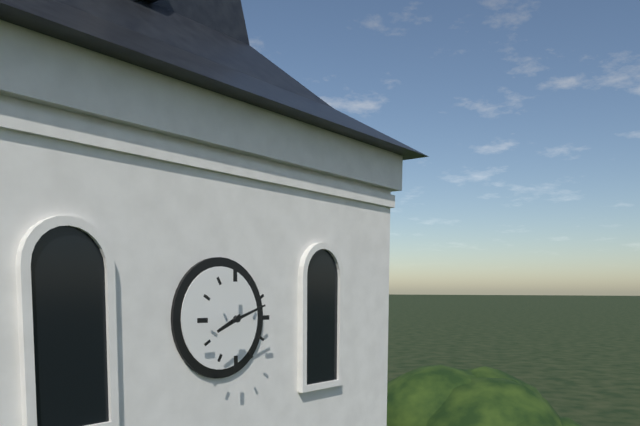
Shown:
h=8 m=12
